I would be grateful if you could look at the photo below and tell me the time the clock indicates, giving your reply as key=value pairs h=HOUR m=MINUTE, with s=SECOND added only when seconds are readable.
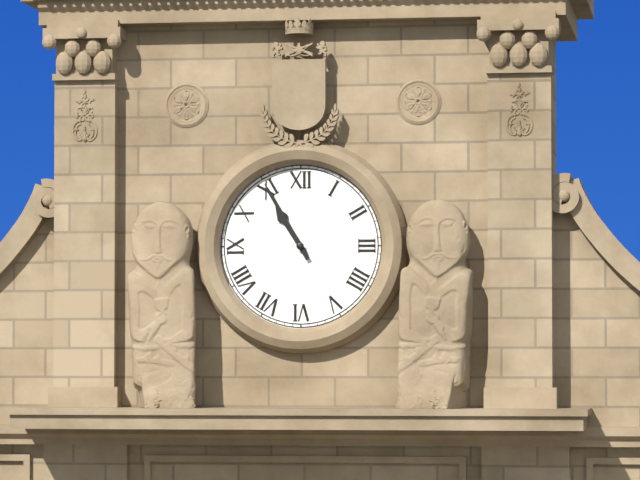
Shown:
h=10 m=55
